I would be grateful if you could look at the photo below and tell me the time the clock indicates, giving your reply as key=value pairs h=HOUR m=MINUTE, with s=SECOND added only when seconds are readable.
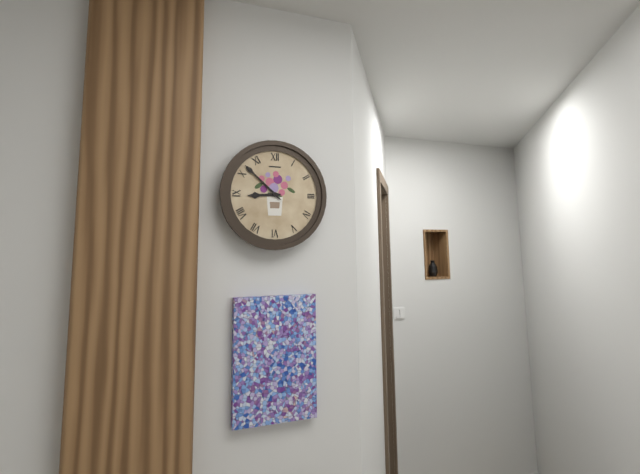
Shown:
h=8 m=52
